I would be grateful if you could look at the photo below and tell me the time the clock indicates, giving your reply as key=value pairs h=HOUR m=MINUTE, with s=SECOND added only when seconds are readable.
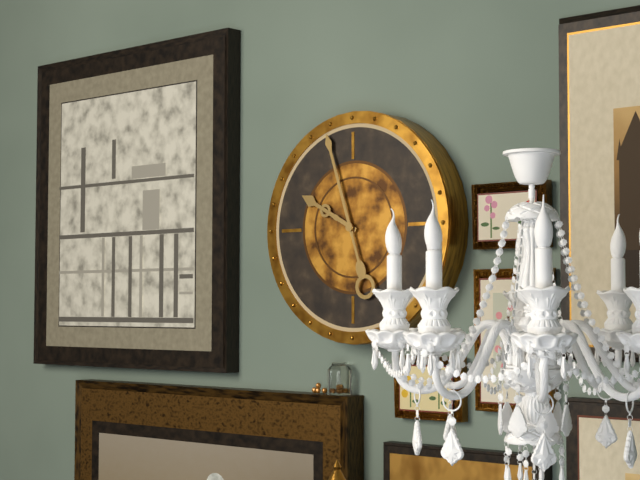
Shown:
h=9 m=57
